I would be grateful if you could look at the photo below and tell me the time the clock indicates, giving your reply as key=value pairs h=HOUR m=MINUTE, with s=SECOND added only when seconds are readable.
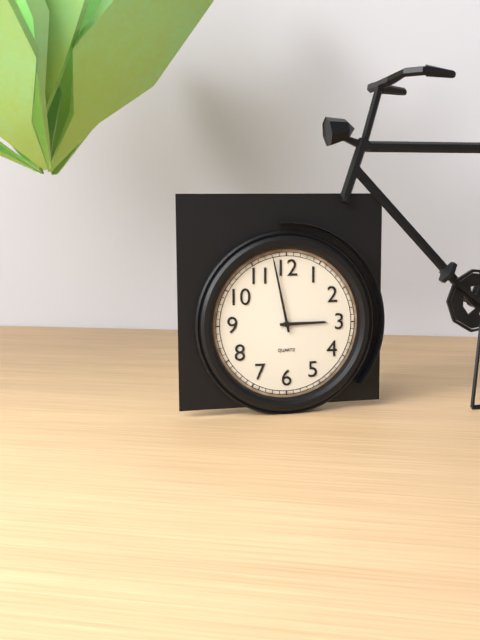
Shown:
h=2 m=58
